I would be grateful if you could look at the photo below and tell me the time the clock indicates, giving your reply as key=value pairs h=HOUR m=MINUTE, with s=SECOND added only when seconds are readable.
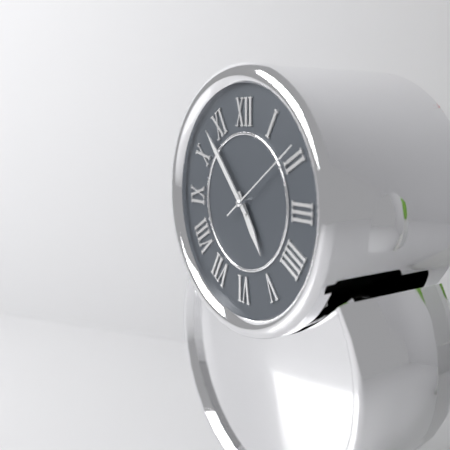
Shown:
h=4 m=53 s=9
